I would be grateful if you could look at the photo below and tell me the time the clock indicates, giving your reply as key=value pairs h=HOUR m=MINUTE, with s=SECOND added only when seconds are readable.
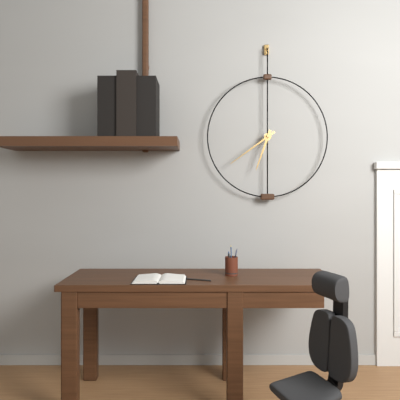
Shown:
h=6 m=39
